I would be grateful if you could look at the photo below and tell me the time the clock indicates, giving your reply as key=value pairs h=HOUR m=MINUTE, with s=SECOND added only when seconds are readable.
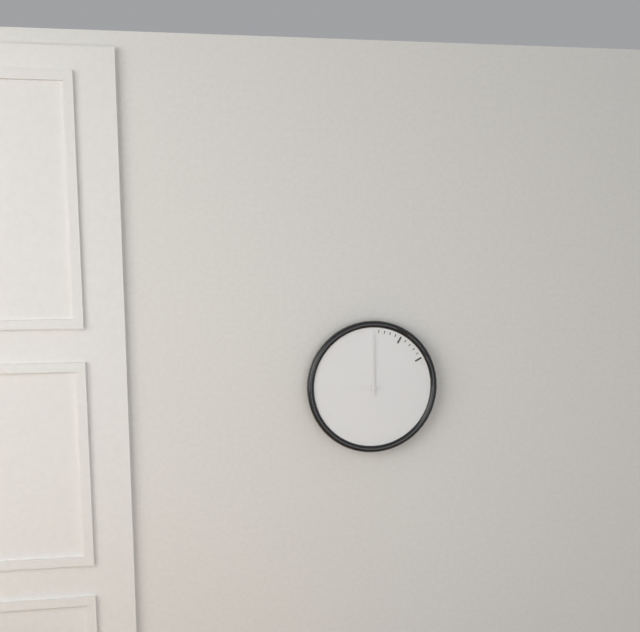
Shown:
h=9 m=0
